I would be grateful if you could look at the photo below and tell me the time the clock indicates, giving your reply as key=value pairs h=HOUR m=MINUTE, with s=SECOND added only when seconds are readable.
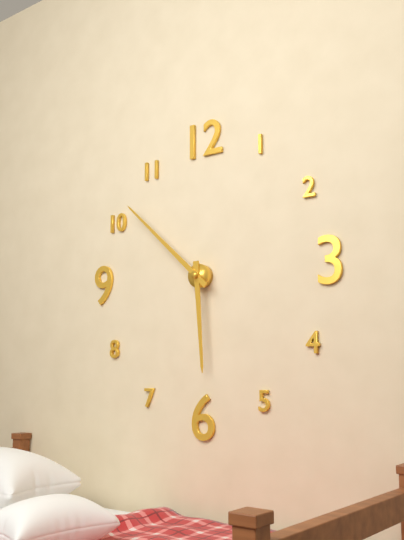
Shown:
h=5 m=52
